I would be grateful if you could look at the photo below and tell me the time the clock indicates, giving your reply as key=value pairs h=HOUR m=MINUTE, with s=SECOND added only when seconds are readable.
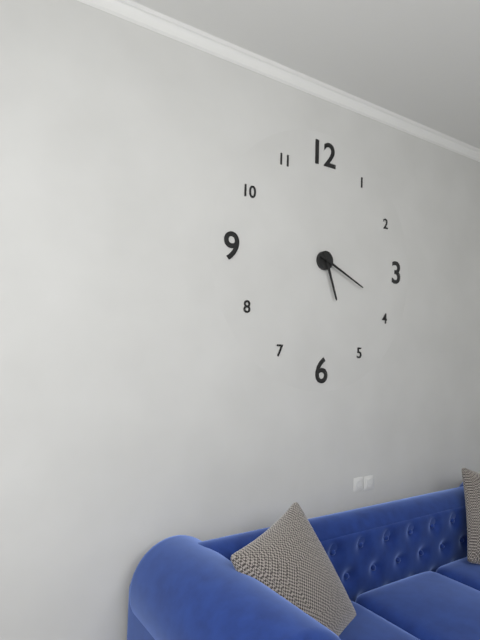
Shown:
h=5 m=19
